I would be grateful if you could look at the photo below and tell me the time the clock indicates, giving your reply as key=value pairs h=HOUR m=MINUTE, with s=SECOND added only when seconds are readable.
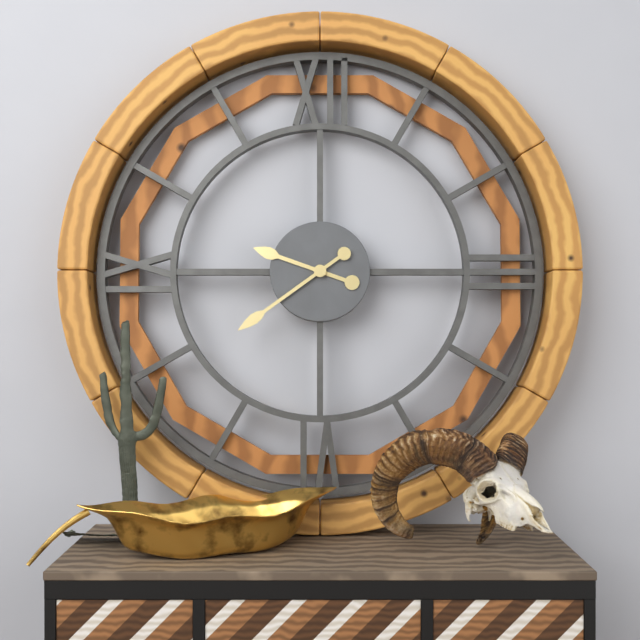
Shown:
h=9 m=39
